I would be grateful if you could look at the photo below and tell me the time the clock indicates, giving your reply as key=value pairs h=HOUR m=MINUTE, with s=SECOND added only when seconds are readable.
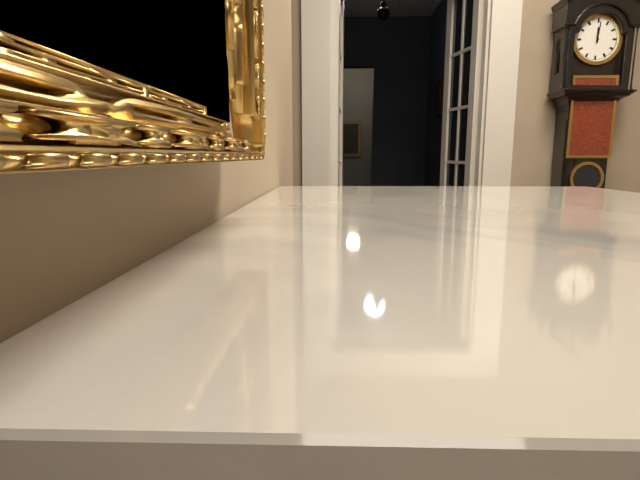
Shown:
h=12 m=1
